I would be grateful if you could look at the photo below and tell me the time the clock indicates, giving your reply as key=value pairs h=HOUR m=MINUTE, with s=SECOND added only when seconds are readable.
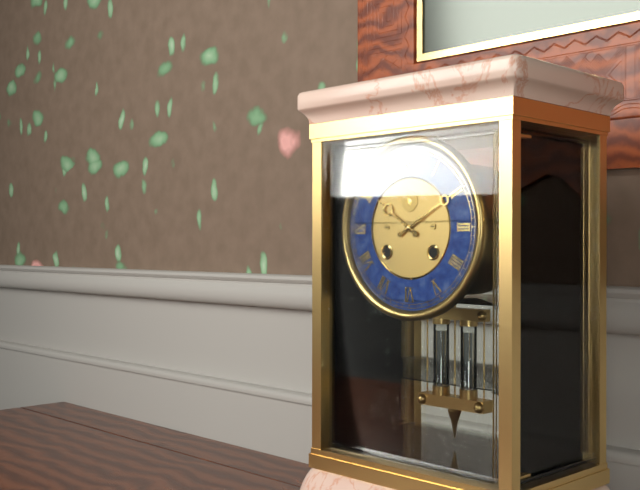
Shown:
h=10 m=10
